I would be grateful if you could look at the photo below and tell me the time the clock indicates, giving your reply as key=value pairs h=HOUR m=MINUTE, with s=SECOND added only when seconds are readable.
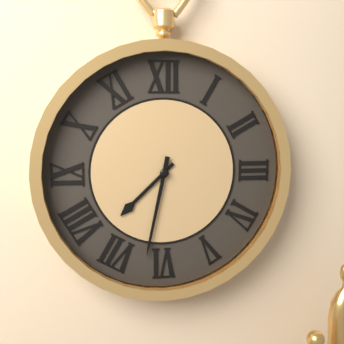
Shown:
h=7 m=32
